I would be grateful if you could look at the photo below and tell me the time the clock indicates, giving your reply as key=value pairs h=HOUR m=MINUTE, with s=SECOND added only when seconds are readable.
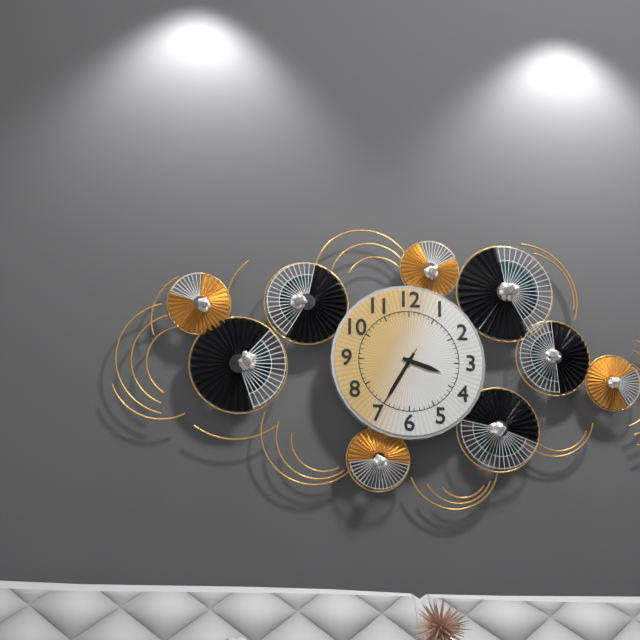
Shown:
h=3 m=35 s=35
